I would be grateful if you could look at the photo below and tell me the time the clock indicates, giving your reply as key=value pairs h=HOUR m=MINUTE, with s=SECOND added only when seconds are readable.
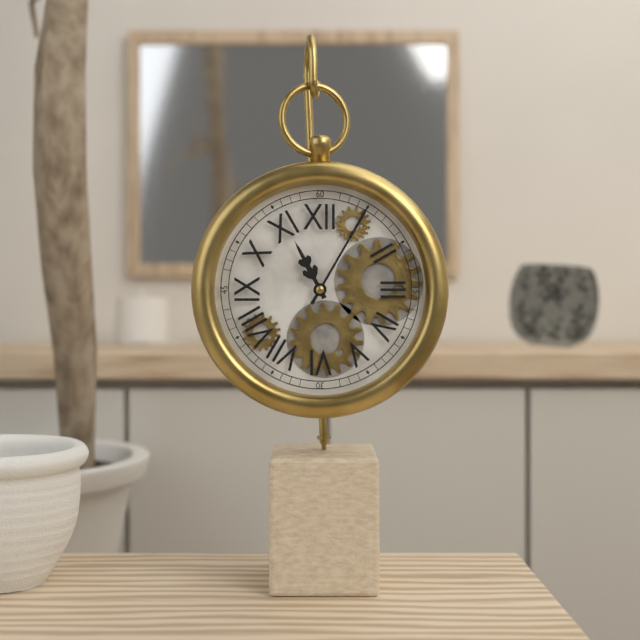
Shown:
h=11 m=5
